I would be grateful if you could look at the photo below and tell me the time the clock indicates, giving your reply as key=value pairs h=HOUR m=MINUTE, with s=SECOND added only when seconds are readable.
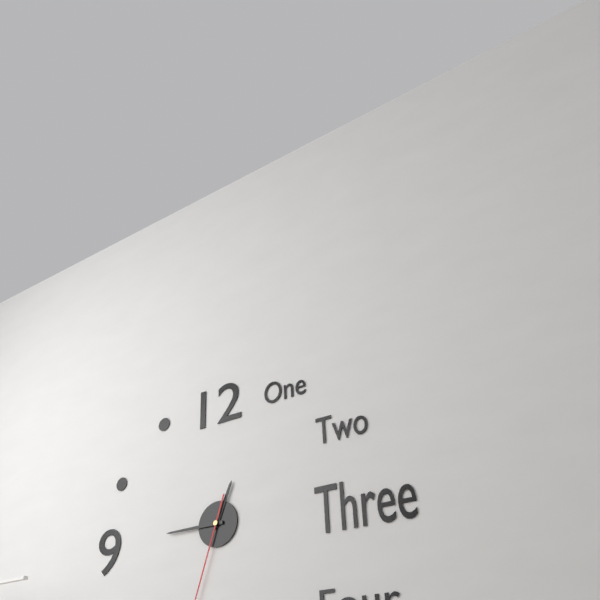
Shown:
h=12 m=45
